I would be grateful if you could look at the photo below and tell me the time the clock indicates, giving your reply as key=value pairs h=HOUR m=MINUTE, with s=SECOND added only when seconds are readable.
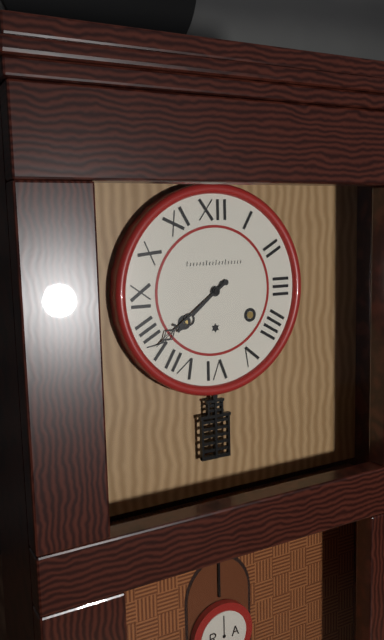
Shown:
h=7 m=39
